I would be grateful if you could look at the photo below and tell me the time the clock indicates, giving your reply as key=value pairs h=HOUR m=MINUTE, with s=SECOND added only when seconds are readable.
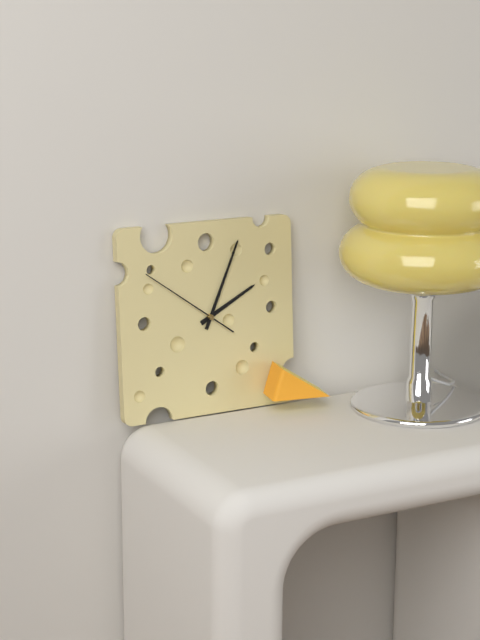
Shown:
h=2 m=4 s=51
